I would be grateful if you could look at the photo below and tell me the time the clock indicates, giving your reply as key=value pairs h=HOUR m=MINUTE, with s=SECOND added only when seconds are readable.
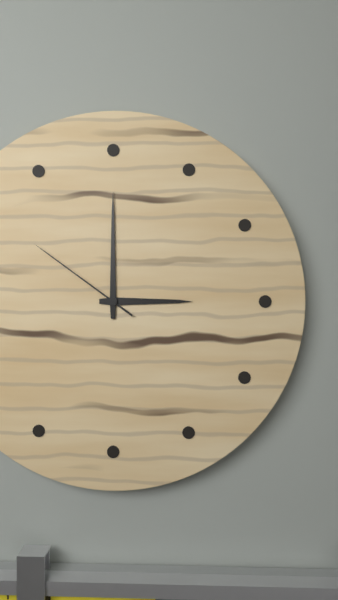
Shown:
h=3 m=0 s=51
